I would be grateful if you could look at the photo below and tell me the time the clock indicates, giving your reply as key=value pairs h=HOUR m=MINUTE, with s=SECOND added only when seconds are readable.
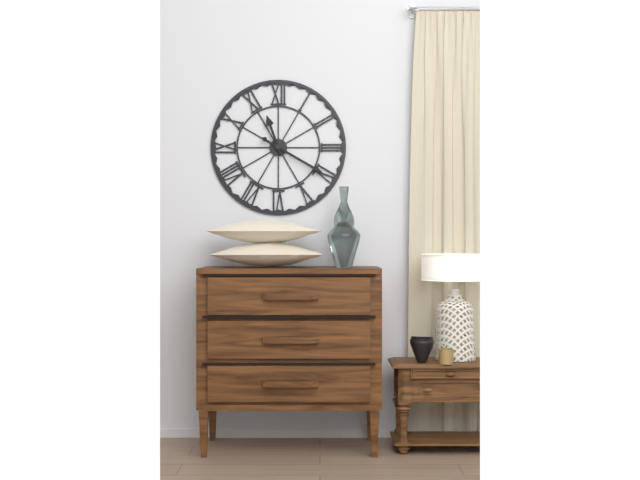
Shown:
h=11 m=20
